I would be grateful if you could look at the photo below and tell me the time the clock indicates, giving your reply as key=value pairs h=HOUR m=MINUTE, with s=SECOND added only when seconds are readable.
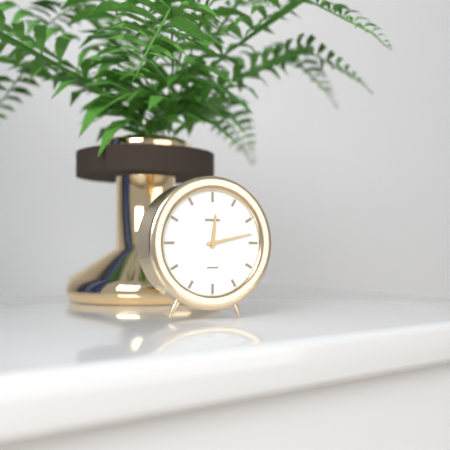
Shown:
h=12 m=13
